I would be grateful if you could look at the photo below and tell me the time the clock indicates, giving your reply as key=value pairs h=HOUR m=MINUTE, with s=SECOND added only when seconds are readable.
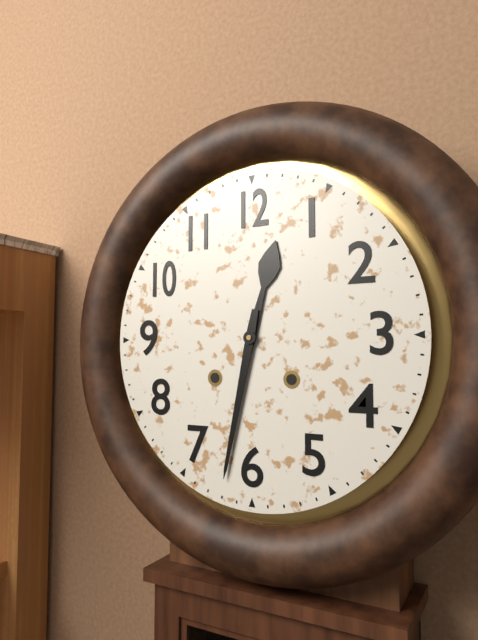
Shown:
h=12 m=32
